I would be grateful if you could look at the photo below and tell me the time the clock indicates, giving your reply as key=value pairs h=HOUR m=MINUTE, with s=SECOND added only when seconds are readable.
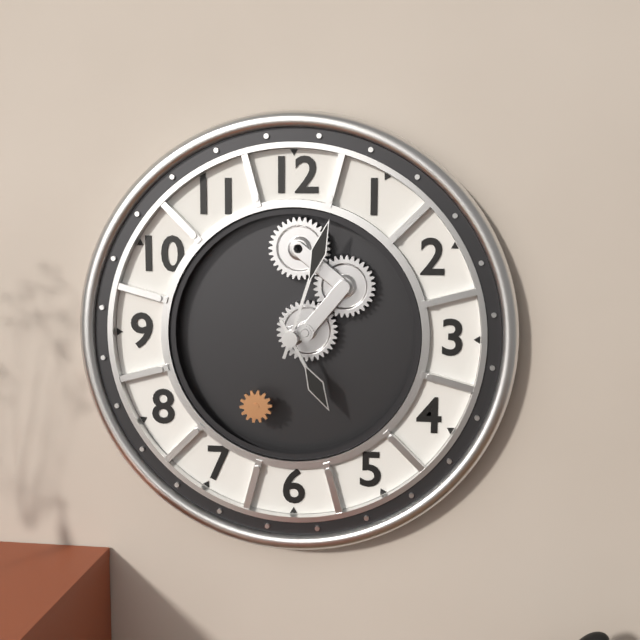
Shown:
h=5 m=3
